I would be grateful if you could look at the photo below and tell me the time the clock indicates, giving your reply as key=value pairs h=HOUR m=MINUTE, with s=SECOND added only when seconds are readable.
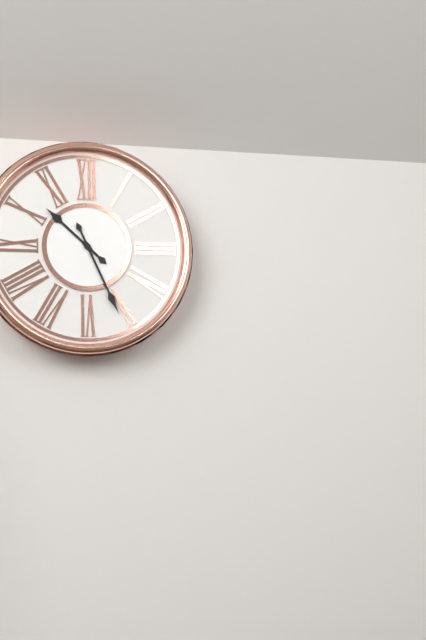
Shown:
h=10 m=26
